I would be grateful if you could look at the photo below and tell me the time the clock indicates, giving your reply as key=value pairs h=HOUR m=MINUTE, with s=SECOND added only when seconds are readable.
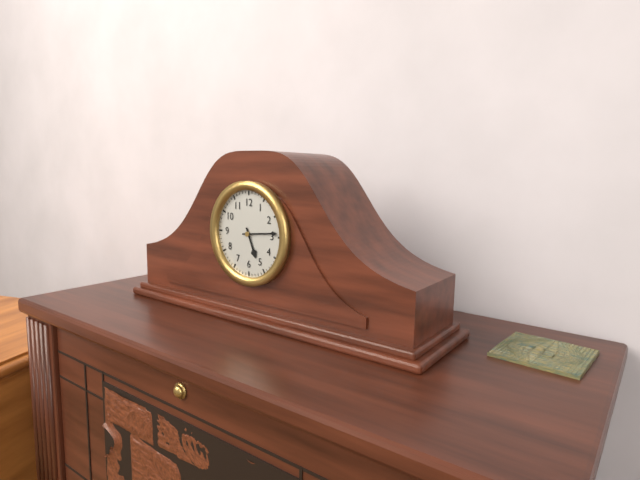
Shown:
h=5 m=14
